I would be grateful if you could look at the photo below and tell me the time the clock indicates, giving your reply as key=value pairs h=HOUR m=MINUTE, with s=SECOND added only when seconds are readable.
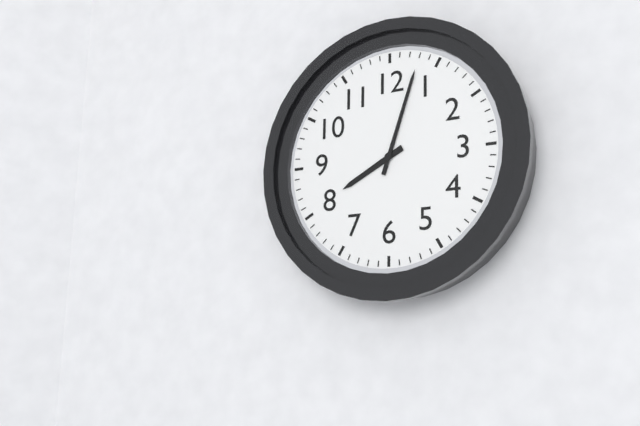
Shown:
h=8 m=3
